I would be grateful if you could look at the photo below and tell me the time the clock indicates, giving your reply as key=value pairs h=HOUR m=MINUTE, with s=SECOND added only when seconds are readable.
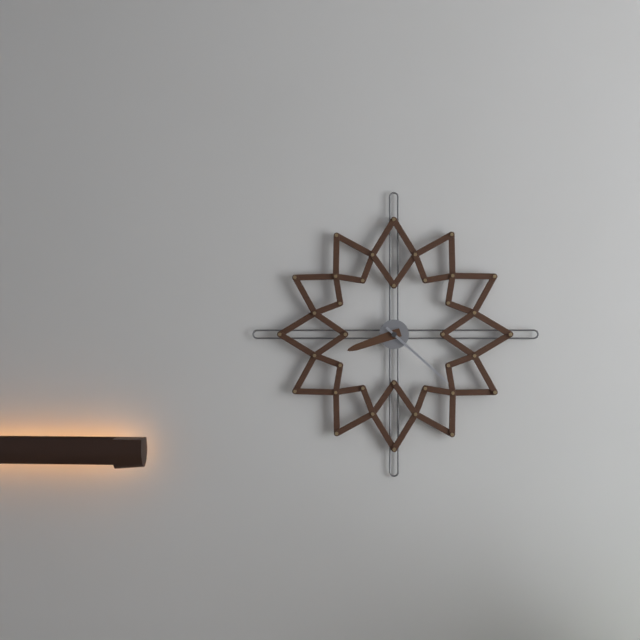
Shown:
h=8 m=22
